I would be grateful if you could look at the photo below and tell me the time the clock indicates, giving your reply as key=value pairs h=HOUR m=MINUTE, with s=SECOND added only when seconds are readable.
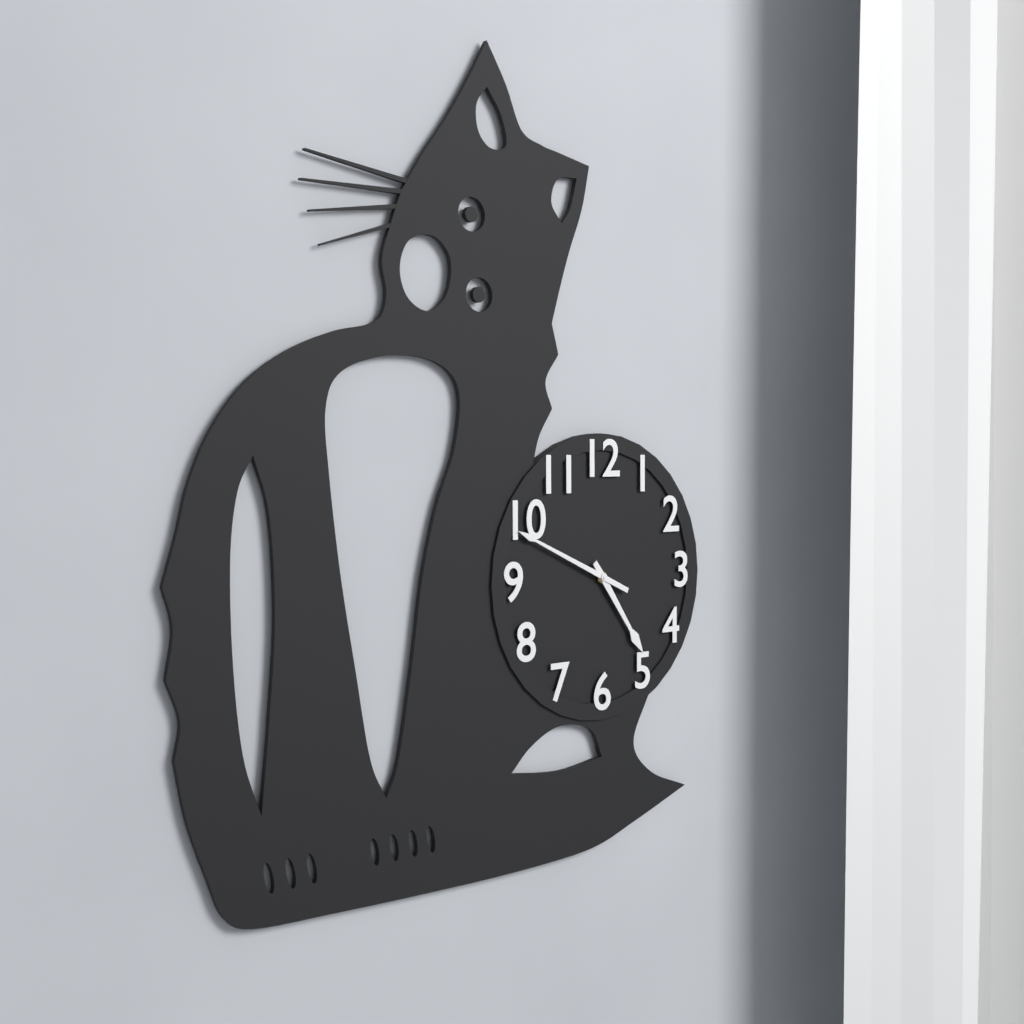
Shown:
h=4 m=49
